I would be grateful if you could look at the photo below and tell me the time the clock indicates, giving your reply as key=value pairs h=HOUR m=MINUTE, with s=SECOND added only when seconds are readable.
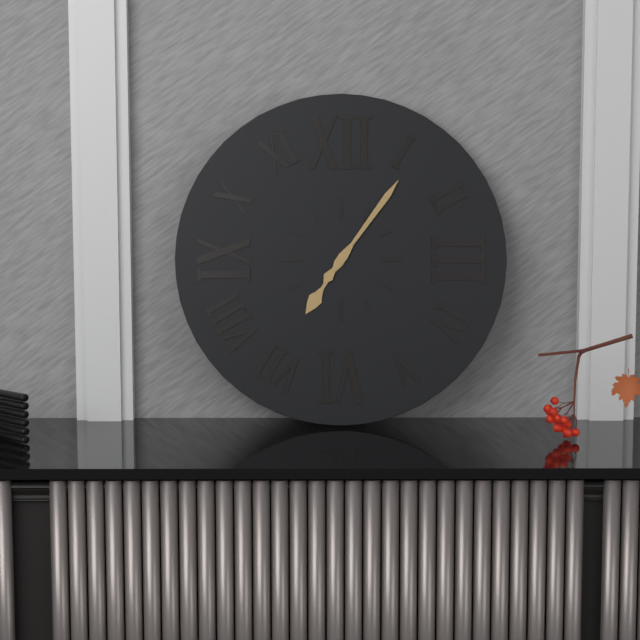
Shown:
h=7 m=6
